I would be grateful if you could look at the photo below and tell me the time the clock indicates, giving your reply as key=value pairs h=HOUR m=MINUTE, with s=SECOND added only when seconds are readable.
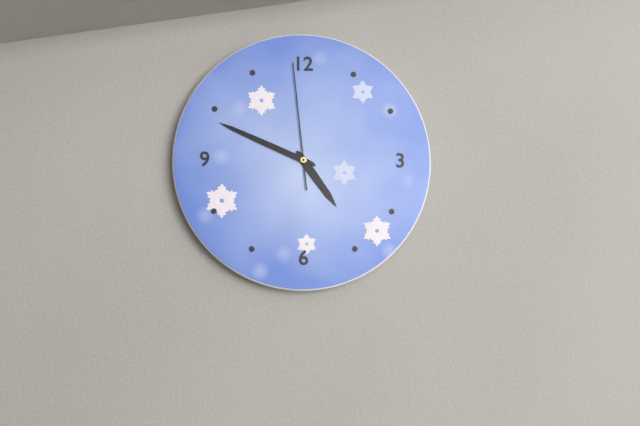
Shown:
h=4 m=49 s=59
